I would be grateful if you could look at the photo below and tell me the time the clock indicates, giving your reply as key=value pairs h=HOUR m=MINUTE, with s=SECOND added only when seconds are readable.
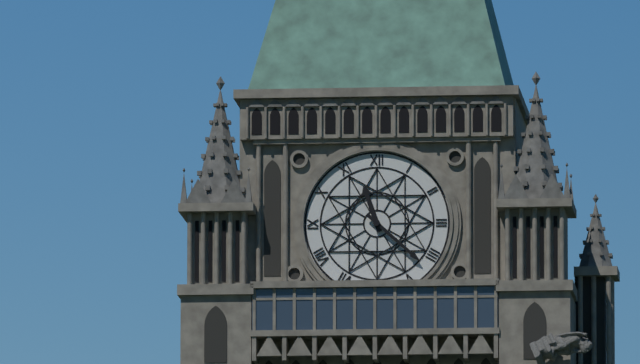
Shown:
h=11 m=22
